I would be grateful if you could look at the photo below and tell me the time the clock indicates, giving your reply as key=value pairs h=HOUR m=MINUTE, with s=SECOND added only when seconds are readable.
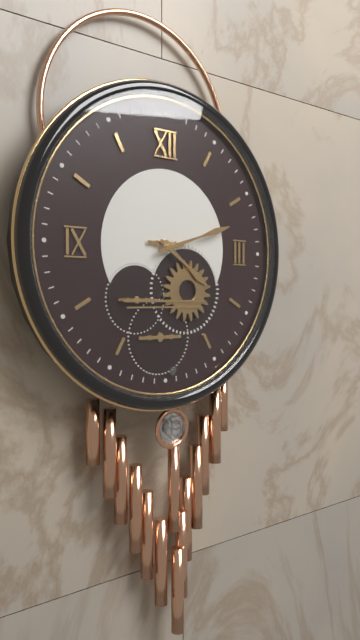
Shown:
h=4 m=12
